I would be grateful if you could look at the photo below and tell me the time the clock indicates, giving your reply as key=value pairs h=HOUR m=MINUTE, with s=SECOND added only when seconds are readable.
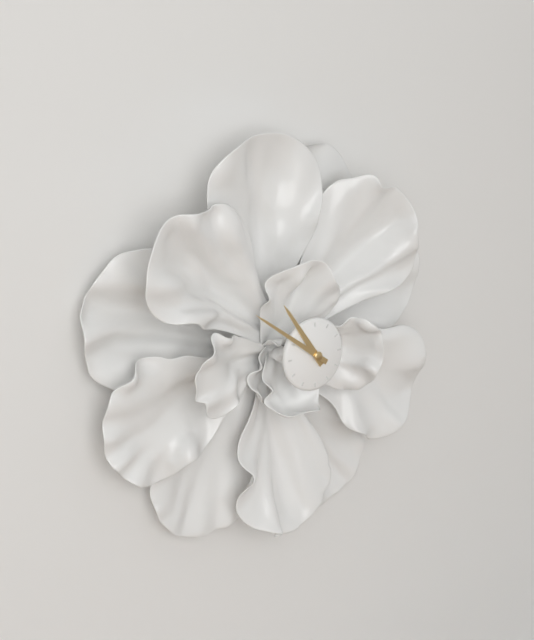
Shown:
h=10 m=51
